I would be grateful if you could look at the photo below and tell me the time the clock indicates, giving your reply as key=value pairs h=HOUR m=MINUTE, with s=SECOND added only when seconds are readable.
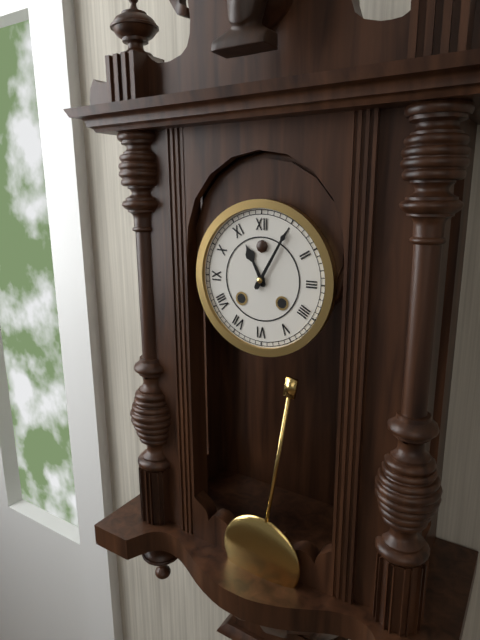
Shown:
h=11 m=5
